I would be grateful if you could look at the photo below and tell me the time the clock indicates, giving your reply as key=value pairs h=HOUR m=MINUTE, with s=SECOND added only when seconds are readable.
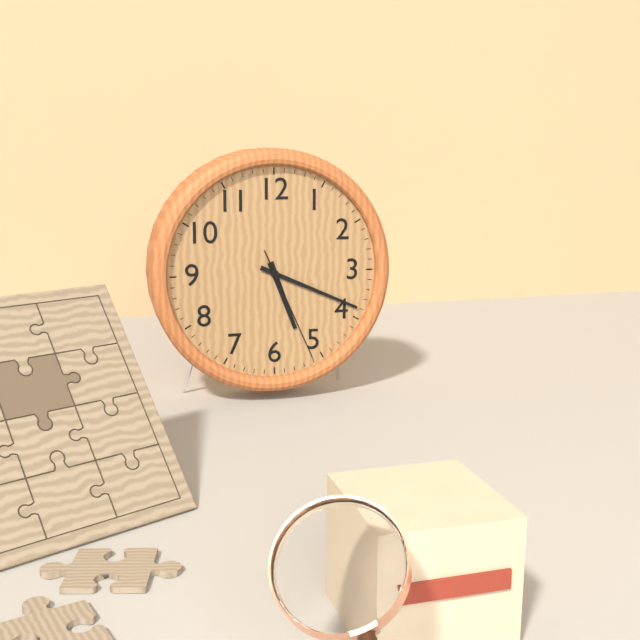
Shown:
h=5 m=19 s=26
